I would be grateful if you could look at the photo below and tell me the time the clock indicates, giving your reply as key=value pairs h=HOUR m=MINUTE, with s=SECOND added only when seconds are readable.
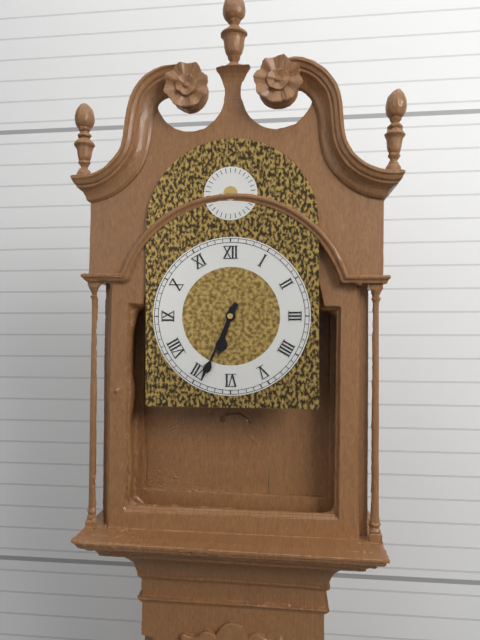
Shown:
h=6 m=34
